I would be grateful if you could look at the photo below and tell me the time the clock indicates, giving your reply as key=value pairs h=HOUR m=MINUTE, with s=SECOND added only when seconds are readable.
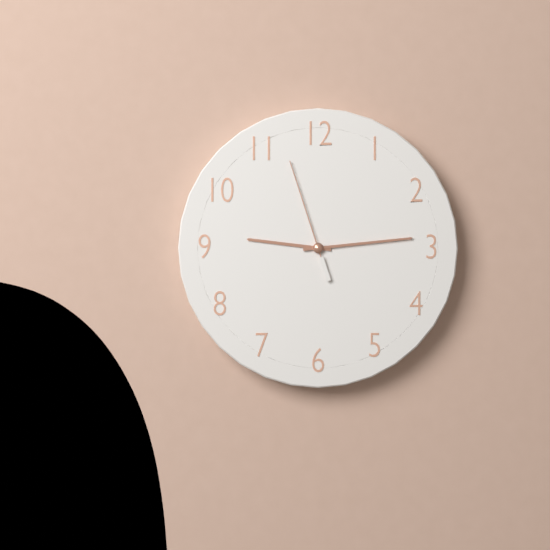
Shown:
h=9 m=14 s=57
